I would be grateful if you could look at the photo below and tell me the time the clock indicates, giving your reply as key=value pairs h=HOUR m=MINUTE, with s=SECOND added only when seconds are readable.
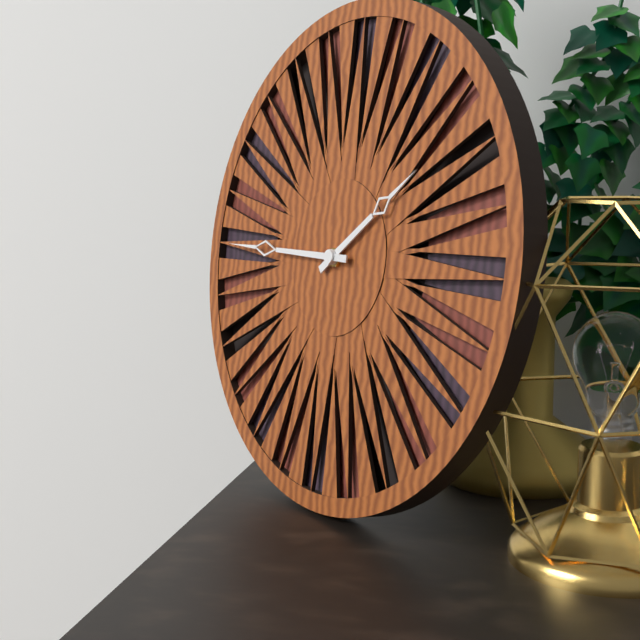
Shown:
h=1 m=45
